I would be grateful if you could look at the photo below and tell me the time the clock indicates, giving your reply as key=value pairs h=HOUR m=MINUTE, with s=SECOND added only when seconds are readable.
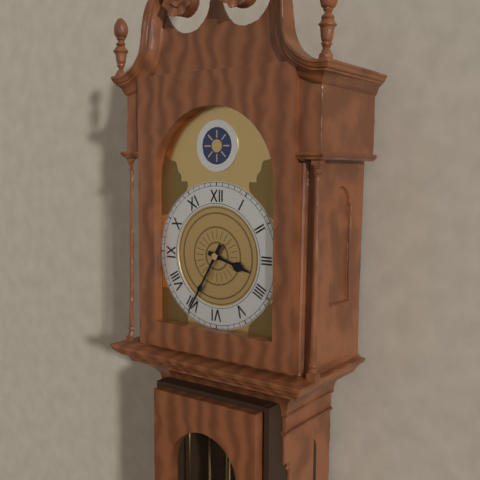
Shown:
h=3 m=35
